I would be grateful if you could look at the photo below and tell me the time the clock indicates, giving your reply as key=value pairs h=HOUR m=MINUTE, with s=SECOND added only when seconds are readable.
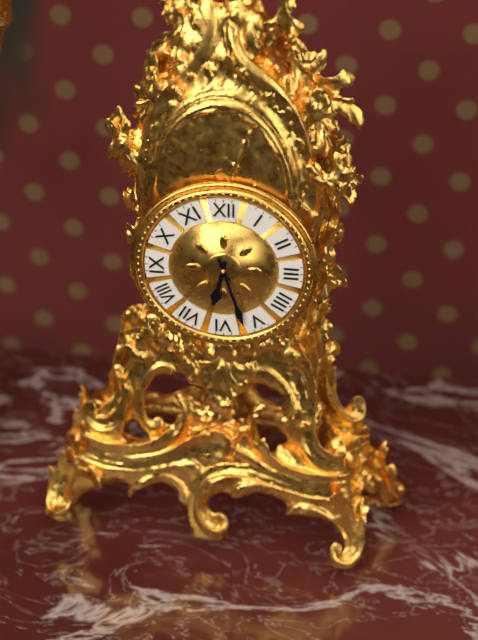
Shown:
h=6 m=27
